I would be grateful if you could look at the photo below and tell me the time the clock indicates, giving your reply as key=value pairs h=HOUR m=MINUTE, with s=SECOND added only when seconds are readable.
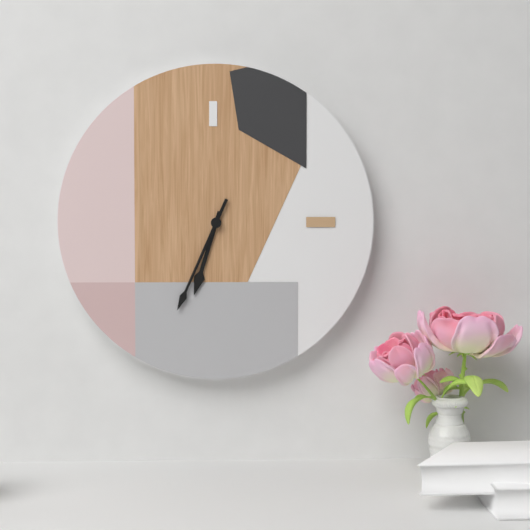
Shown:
h=6 m=34
